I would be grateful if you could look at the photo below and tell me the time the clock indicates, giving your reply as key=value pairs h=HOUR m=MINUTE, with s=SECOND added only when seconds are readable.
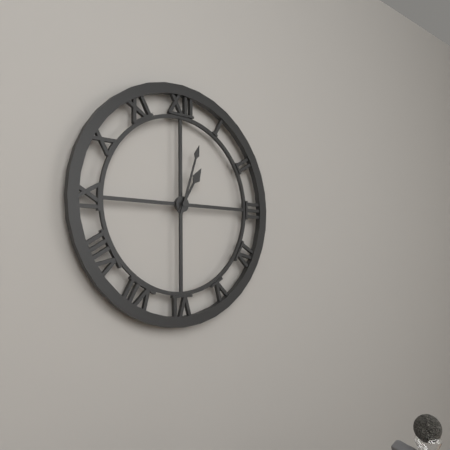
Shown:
h=1 m=3
